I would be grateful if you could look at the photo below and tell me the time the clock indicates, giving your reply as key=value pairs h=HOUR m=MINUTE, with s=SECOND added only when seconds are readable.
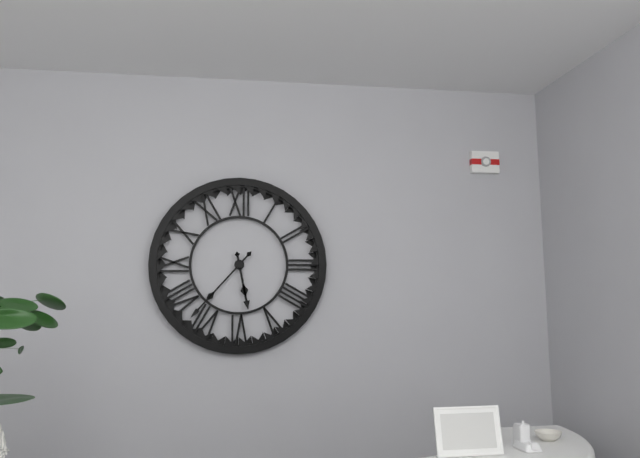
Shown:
h=5 m=37
